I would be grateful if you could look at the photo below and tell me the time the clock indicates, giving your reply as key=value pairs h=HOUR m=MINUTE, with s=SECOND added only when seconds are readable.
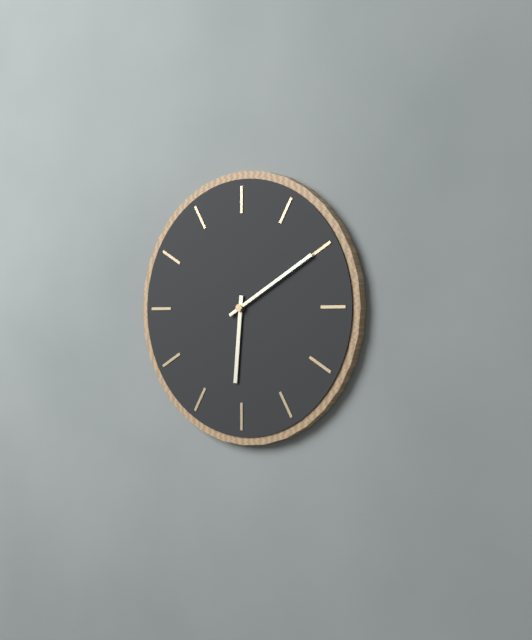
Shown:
h=6 m=10
